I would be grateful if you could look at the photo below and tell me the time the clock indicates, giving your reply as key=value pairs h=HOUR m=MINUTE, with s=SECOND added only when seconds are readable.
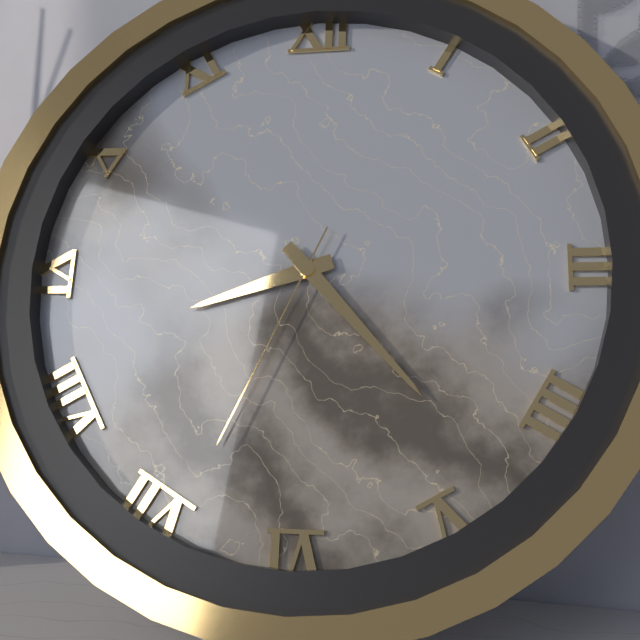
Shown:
h=8 m=23 s=34
